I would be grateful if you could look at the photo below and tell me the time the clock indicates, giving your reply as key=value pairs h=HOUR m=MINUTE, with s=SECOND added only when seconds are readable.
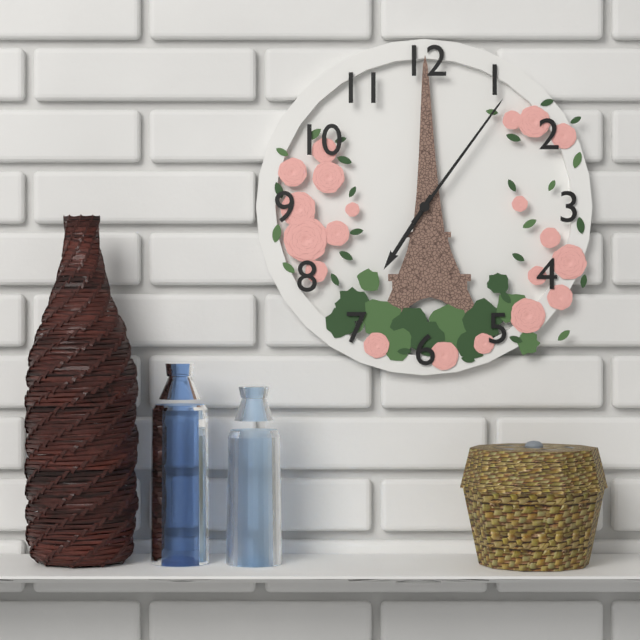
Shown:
h=7 m=6
